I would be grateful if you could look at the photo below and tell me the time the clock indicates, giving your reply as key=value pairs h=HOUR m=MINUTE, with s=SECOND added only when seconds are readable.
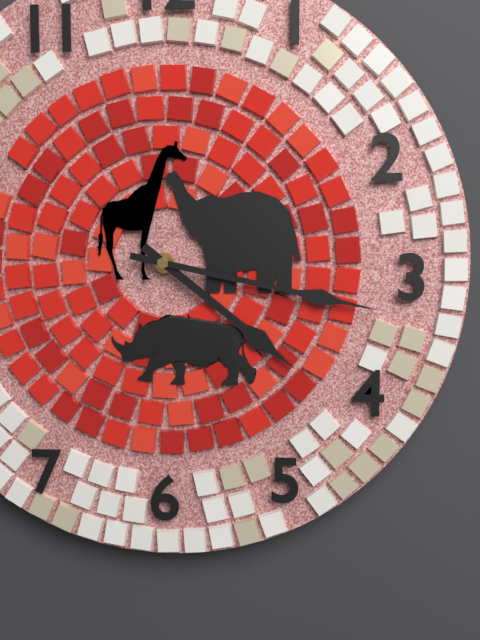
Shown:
h=4 m=17
